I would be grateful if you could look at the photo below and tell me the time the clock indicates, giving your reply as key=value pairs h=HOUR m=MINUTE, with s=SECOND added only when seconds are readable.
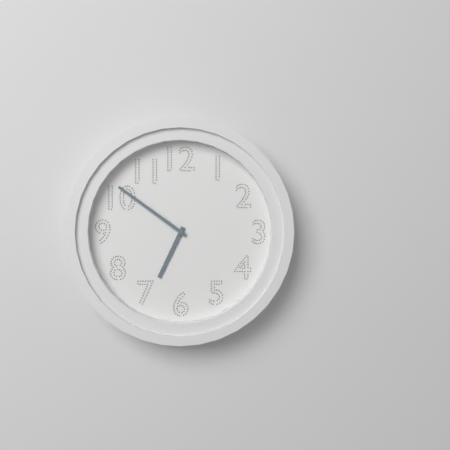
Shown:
h=6 m=51
